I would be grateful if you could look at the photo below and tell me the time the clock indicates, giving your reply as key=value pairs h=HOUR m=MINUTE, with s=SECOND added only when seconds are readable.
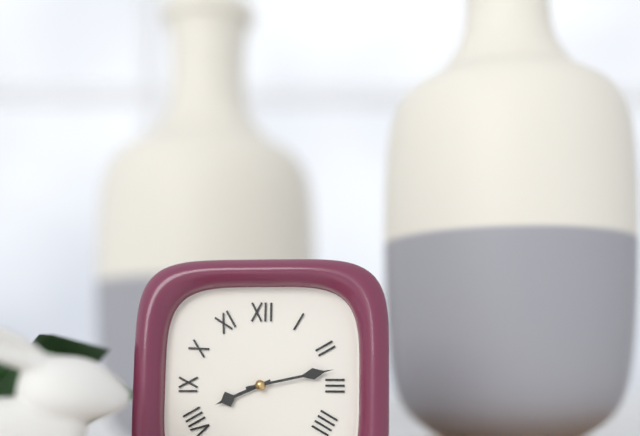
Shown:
h=8 m=13
